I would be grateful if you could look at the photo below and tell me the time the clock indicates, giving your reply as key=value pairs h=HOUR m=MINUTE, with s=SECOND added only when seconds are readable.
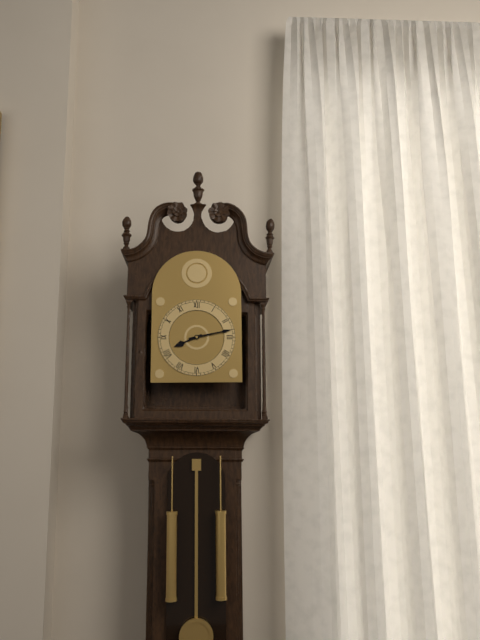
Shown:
h=8 m=13
